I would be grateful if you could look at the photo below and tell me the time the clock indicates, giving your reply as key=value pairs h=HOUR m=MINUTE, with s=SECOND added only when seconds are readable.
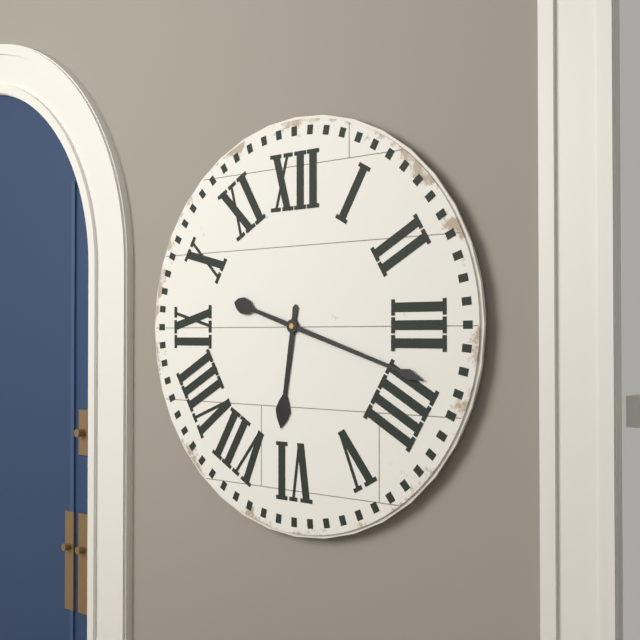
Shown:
h=6 m=18
